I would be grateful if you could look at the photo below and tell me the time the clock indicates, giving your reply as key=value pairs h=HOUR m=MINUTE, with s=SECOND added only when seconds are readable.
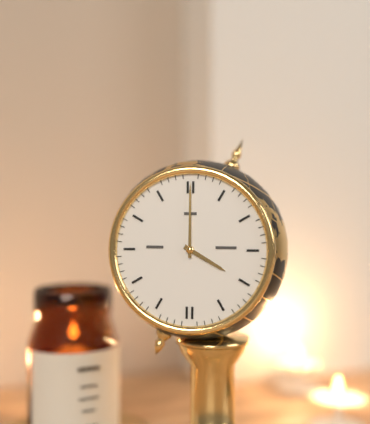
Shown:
h=4 m=0
